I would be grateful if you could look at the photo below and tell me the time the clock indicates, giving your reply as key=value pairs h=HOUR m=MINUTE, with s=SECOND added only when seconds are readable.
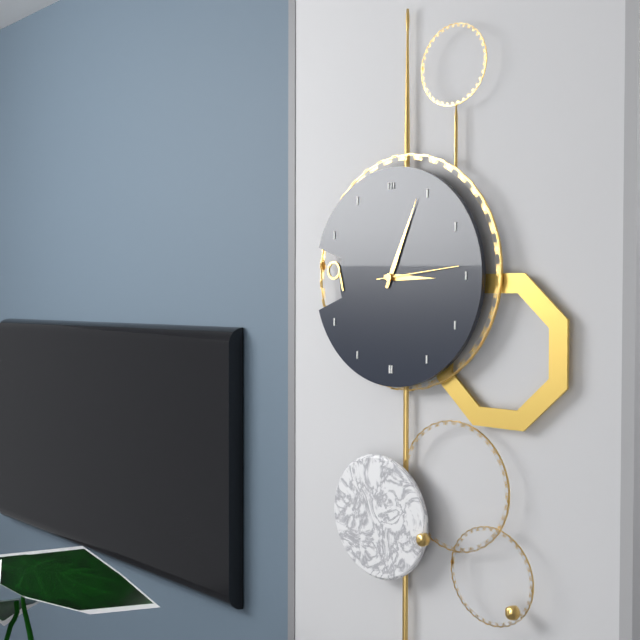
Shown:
h=3 m=4 s=14
